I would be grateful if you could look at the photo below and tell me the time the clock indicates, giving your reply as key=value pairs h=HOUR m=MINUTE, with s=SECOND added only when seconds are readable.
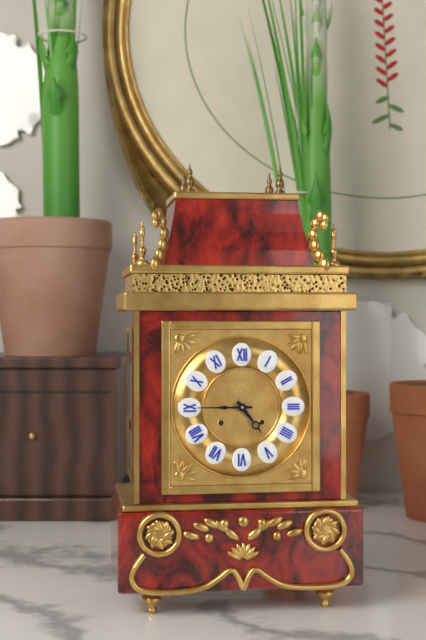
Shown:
h=4 m=45
